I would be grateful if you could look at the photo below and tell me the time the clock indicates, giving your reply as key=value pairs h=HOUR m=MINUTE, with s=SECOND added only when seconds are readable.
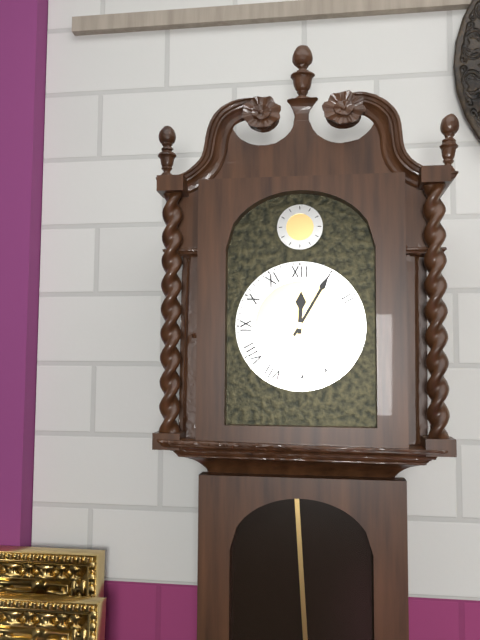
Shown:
h=12 m=5
